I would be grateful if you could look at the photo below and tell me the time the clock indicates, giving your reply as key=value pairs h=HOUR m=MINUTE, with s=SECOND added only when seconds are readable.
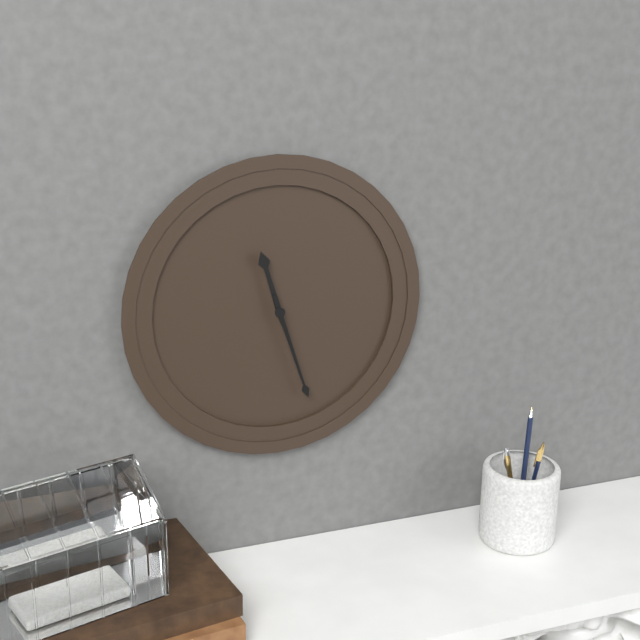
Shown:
h=11 m=27
